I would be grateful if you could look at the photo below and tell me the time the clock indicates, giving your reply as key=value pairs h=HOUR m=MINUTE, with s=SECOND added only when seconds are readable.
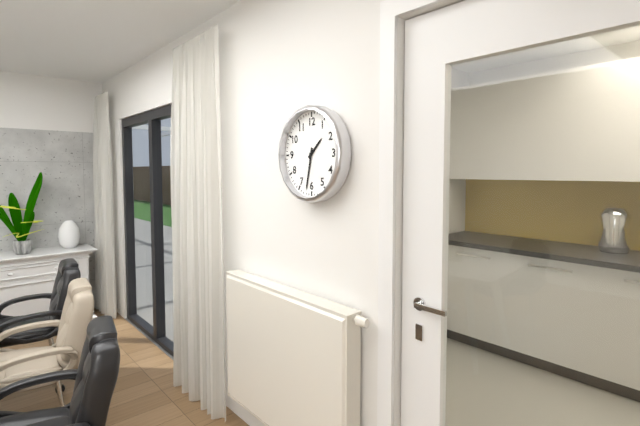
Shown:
h=1 m=32
